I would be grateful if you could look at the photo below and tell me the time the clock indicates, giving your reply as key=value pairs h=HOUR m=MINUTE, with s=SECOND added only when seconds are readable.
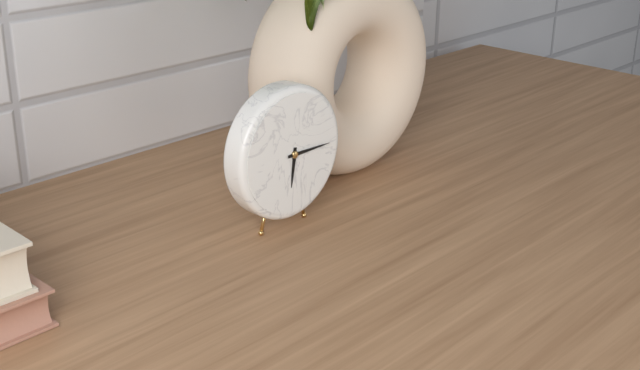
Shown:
h=6 m=15
